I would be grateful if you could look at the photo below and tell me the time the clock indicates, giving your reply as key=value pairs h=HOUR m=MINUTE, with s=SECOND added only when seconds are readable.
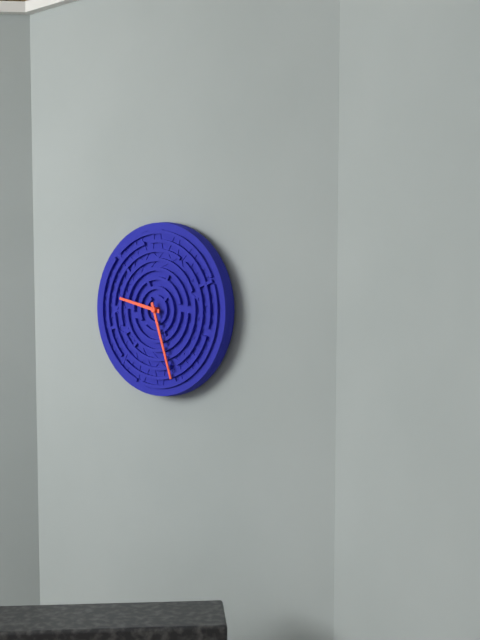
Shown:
h=9 m=27
